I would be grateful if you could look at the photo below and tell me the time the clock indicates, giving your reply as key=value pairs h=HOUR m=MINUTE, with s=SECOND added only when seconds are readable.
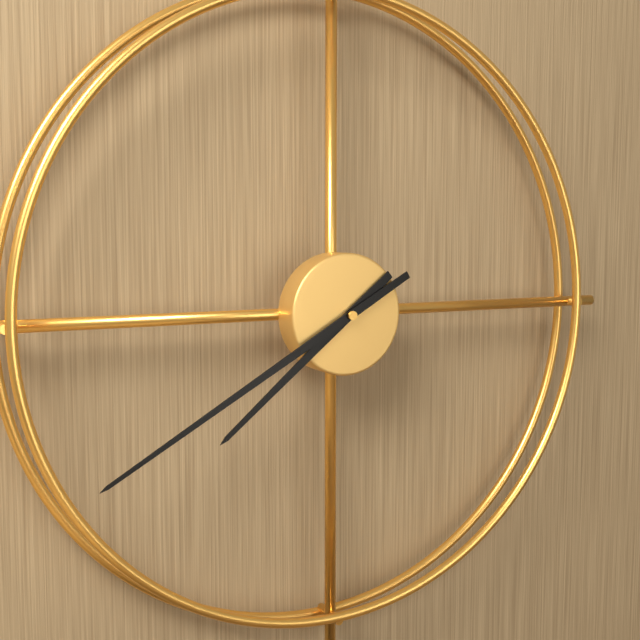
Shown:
h=7 m=40
